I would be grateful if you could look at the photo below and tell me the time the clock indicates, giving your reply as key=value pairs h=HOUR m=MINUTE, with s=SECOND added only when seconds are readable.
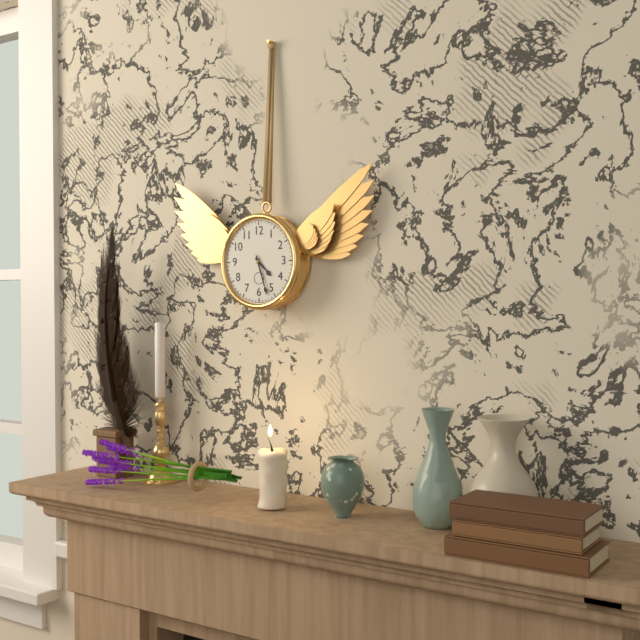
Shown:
h=4 m=27
